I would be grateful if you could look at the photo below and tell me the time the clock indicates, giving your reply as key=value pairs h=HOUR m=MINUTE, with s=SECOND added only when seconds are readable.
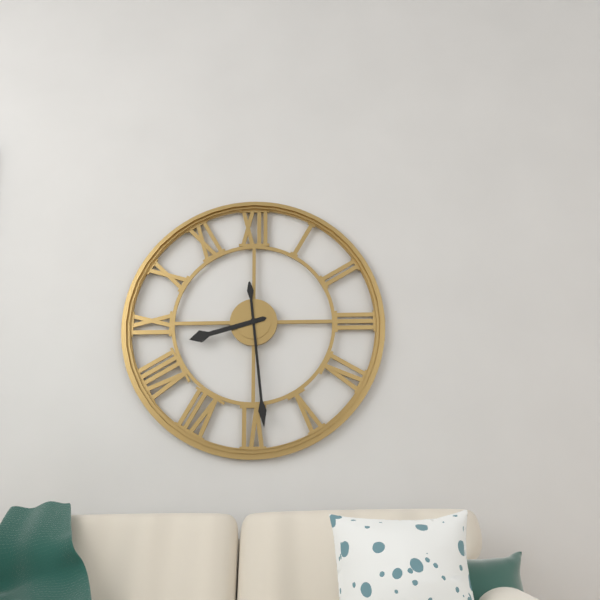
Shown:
h=8 m=29
